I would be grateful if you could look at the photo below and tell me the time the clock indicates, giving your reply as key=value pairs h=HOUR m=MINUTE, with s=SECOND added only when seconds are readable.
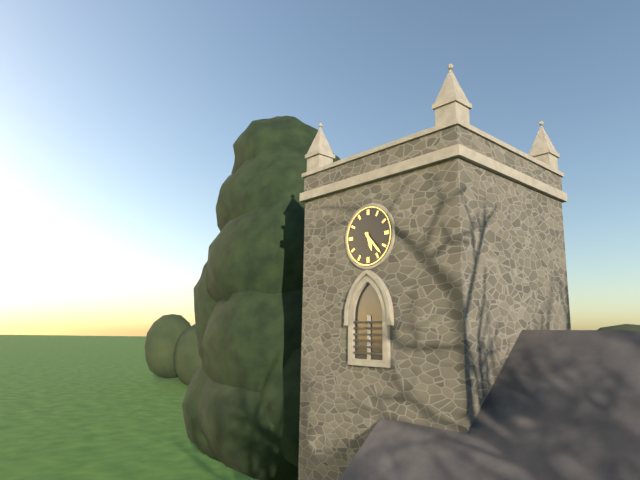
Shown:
h=5 m=23
